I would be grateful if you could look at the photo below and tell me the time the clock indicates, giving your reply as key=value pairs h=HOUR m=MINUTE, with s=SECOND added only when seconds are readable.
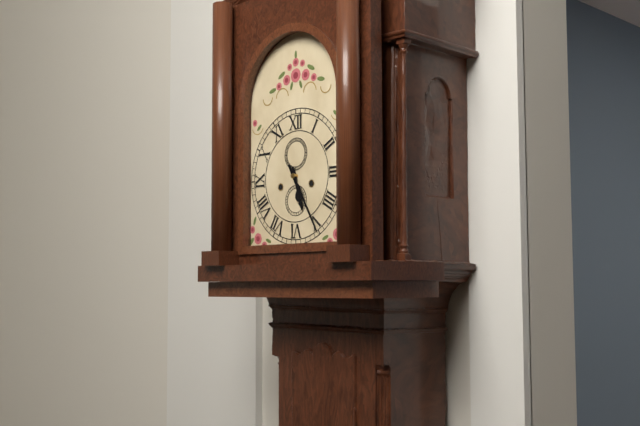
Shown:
h=5 m=25
